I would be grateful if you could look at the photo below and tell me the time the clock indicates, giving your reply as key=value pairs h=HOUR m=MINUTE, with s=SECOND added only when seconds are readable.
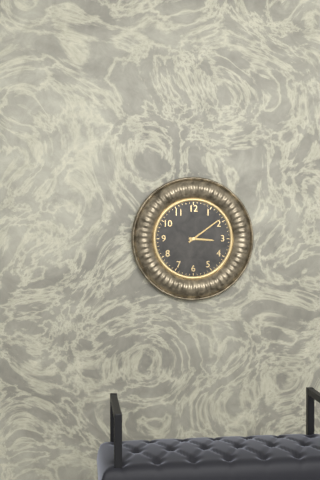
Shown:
h=3 m=9
